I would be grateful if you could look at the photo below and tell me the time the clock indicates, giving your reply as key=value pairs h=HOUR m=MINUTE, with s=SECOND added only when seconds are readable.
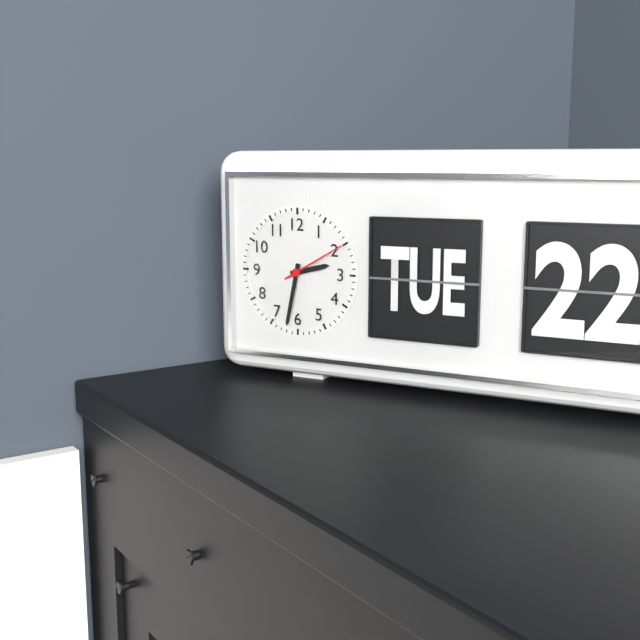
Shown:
h=2 m=32
